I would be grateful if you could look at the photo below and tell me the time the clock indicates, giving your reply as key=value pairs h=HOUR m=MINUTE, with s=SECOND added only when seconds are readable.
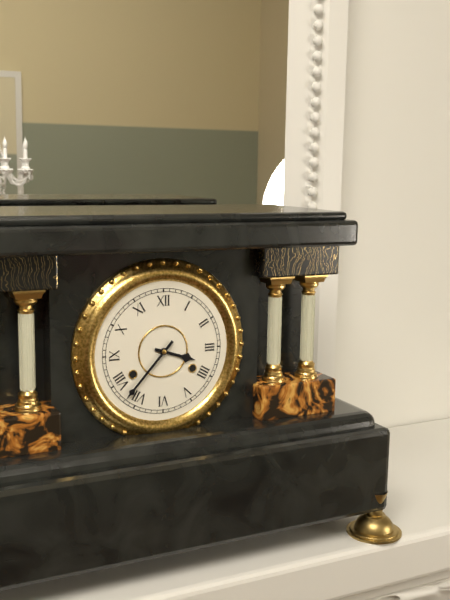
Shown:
h=3 m=37
